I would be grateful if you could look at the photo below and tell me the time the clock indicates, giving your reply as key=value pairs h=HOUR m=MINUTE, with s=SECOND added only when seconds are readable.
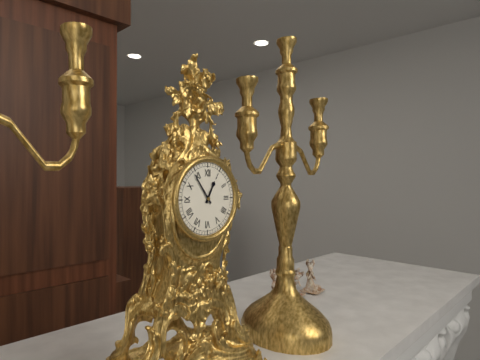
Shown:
h=12 m=54
